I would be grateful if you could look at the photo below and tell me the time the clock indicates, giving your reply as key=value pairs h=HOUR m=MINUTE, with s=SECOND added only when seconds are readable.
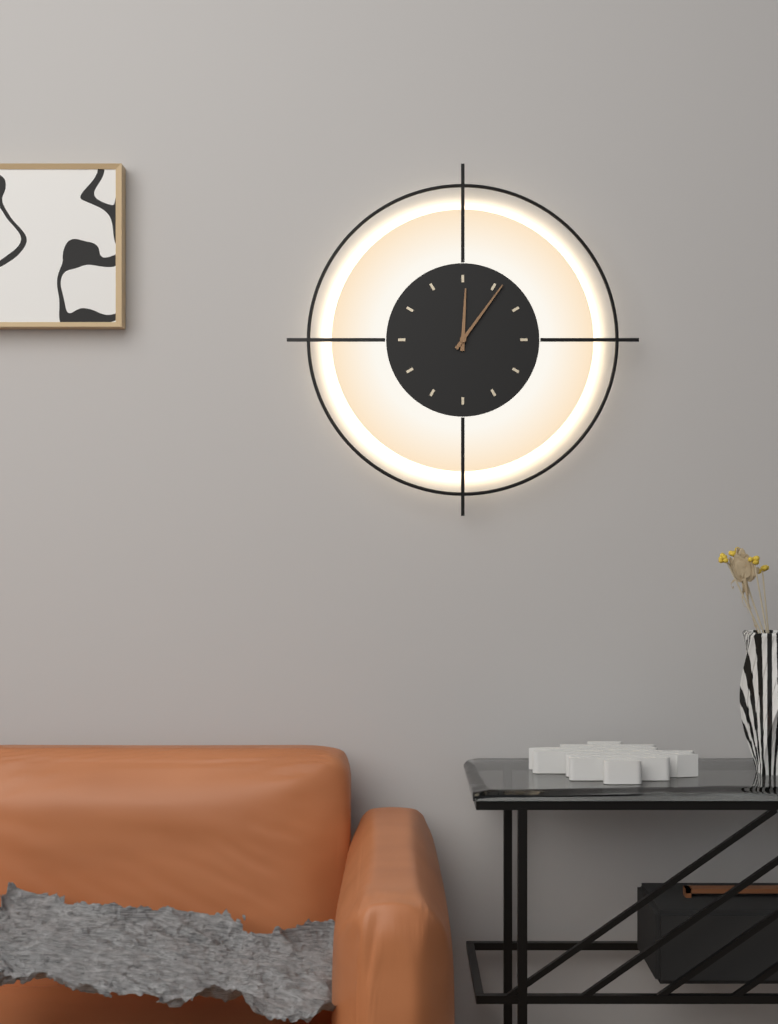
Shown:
h=12 m=6
